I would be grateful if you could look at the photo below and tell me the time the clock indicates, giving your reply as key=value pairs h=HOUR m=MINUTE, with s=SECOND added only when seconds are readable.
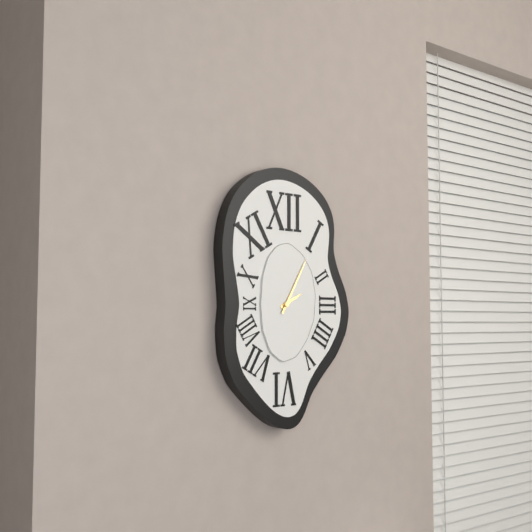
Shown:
h=2 m=5
